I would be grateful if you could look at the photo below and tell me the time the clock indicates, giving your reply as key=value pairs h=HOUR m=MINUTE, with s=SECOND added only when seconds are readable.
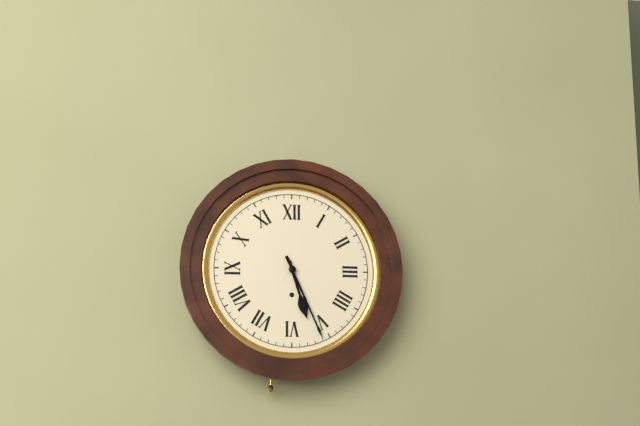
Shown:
h=5 m=26
